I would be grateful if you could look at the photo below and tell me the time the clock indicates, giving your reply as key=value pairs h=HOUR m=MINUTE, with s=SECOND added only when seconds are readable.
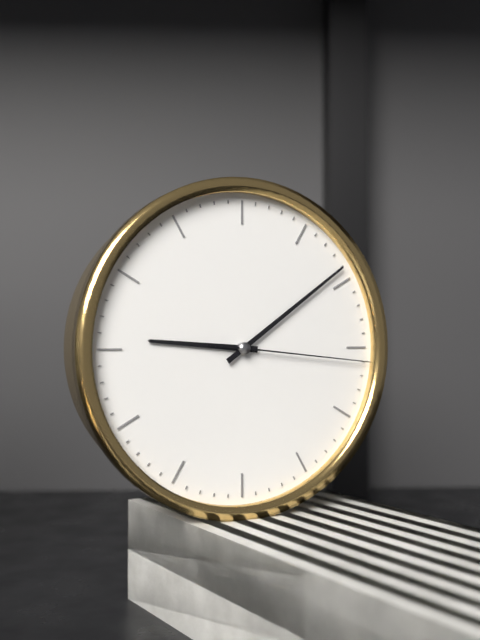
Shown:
h=9 m=9 s=16
